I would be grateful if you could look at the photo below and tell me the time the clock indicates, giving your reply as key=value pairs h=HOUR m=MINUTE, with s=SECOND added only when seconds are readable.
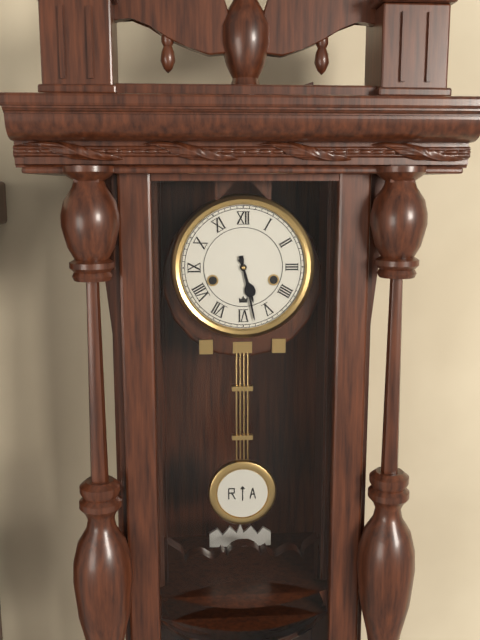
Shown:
h=5 m=28
